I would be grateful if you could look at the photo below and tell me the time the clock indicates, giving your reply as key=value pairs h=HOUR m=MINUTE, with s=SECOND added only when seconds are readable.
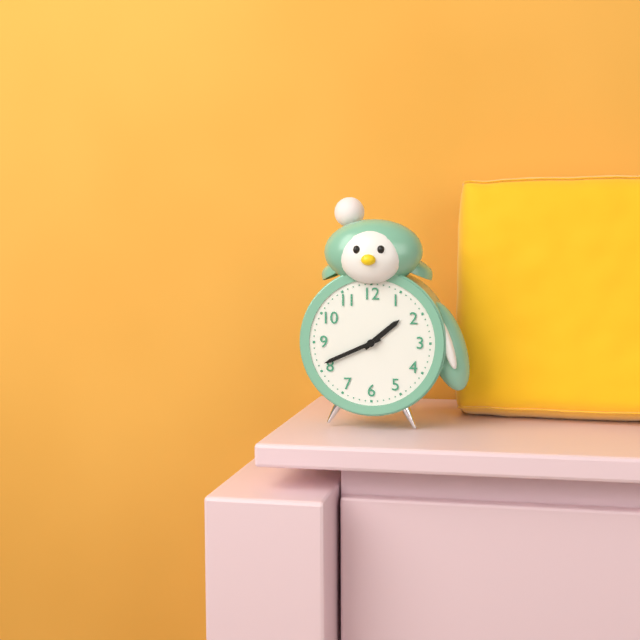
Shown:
h=1 m=41
